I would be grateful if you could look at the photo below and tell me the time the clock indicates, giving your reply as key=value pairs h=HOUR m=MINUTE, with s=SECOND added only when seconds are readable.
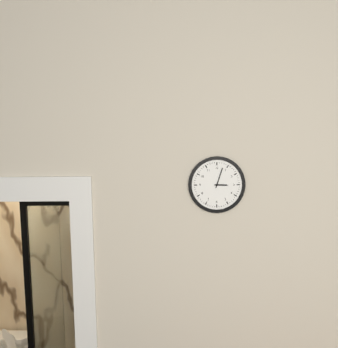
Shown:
h=3 m=3
